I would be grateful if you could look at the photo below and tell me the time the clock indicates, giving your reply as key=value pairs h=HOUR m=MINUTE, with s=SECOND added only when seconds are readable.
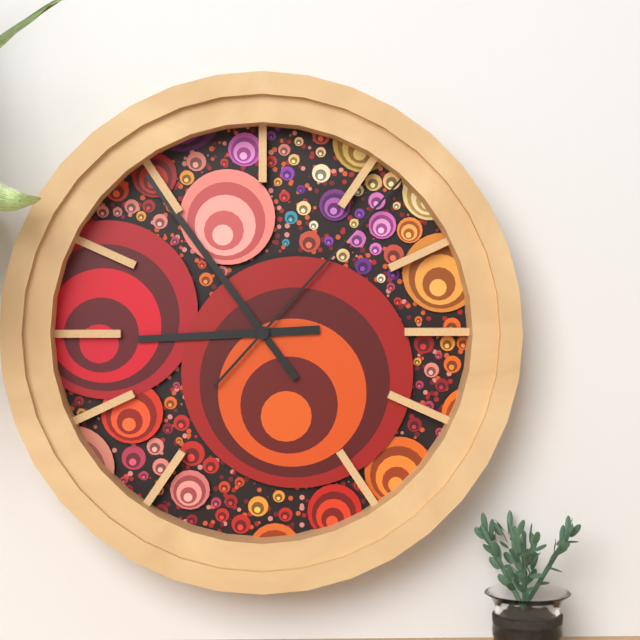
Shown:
h=8 m=54 s=7
